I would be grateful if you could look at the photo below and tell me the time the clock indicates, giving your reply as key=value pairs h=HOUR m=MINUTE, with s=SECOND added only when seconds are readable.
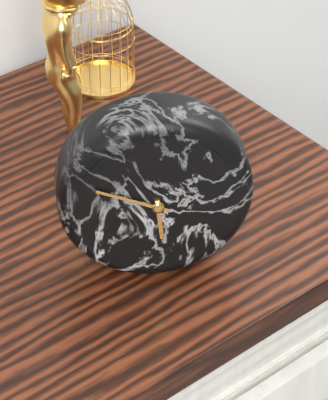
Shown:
h=5 m=49
